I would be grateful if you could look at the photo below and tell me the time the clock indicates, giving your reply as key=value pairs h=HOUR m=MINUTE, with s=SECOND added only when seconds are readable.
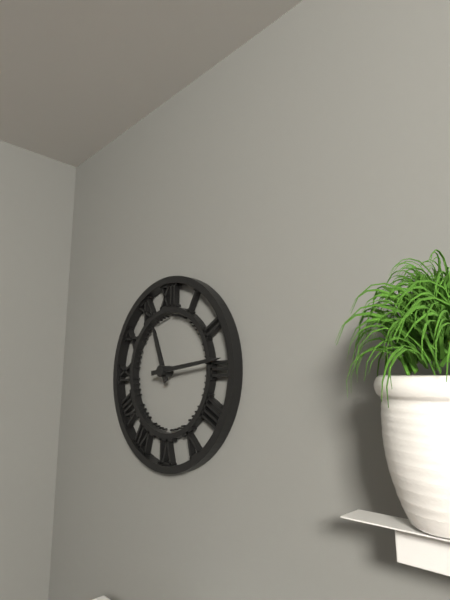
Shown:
h=11 m=14
